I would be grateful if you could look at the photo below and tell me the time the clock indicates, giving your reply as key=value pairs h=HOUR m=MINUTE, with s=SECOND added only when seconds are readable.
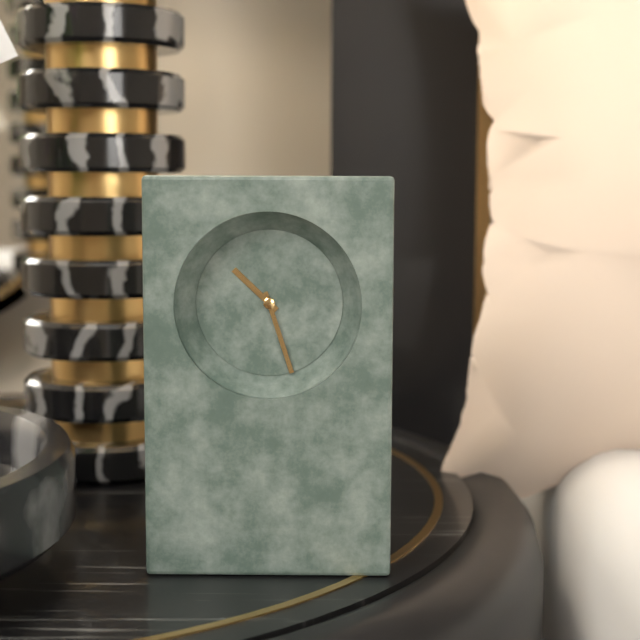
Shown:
h=10 m=27
